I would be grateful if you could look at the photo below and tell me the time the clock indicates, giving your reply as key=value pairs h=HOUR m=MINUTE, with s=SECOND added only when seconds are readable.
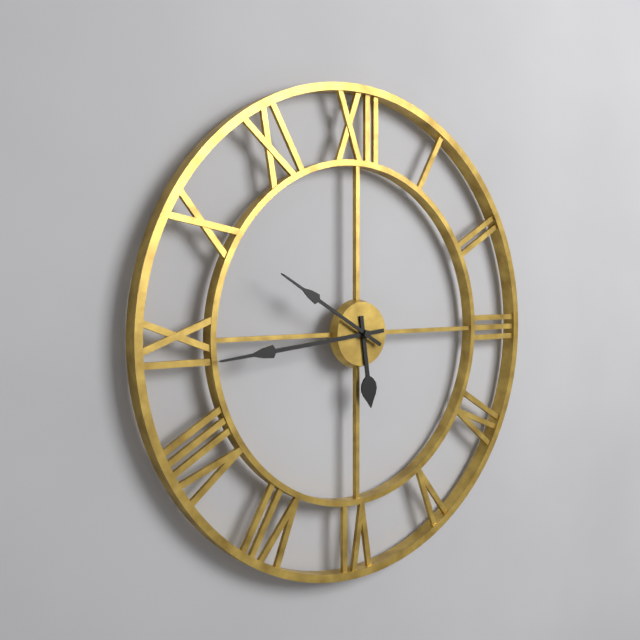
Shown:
h=5 m=44 s=50
